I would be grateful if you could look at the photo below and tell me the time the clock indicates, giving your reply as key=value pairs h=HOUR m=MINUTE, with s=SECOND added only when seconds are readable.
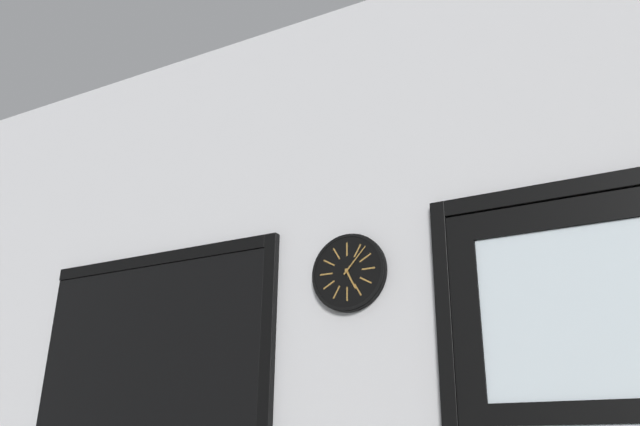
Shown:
h=5 m=7
